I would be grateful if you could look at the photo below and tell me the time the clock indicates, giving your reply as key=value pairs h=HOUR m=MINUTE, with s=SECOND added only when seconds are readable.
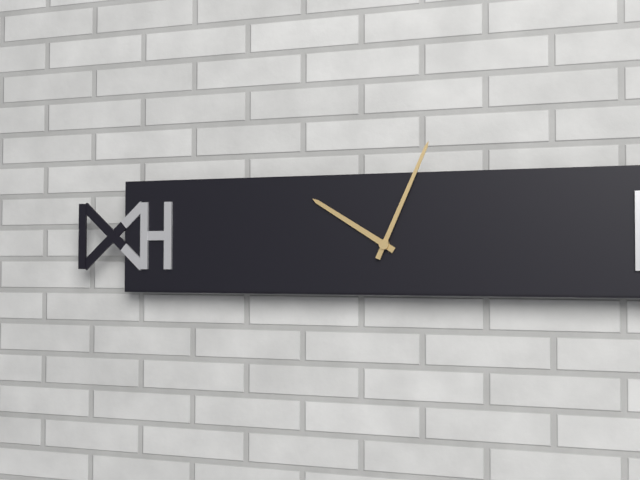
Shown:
h=10 m=4
